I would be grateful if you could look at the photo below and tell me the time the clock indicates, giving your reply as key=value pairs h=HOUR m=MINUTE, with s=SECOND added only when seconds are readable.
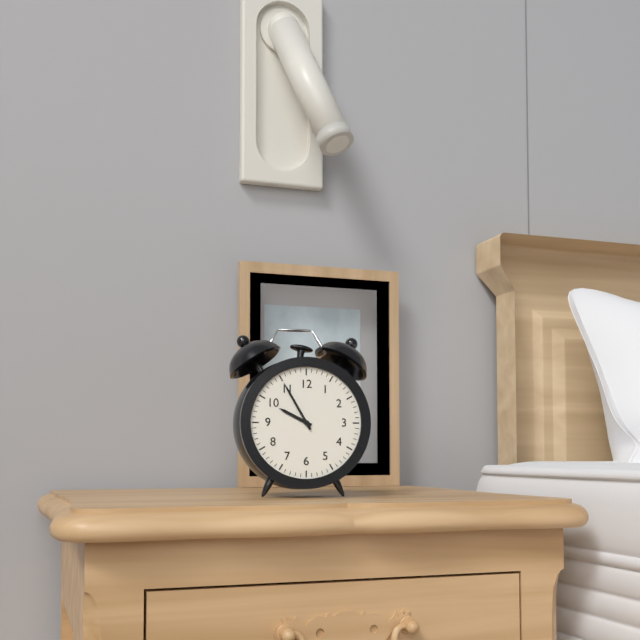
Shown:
h=9 m=55
